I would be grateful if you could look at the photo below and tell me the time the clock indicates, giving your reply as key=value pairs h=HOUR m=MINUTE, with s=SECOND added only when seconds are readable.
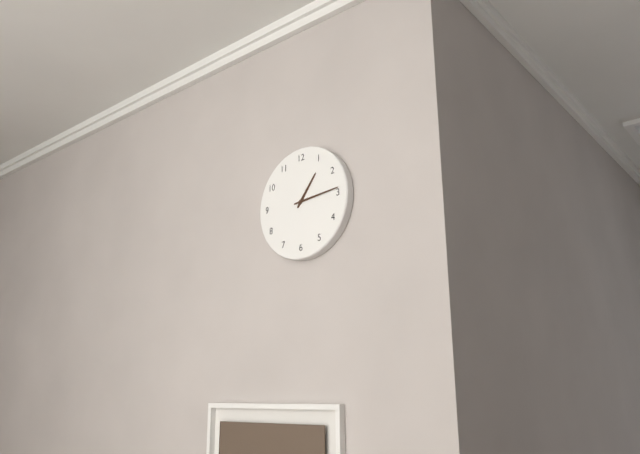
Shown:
h=1 m=14
